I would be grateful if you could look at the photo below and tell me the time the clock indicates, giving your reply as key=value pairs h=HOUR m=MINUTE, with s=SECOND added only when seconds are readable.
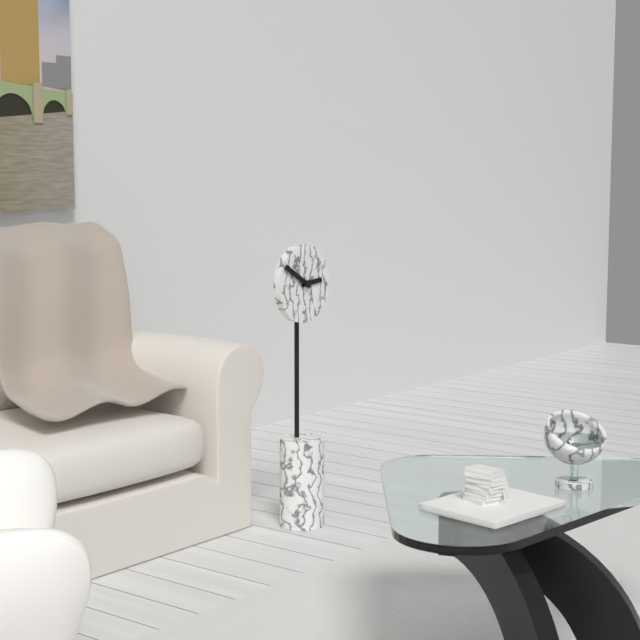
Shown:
h=2 m=50
